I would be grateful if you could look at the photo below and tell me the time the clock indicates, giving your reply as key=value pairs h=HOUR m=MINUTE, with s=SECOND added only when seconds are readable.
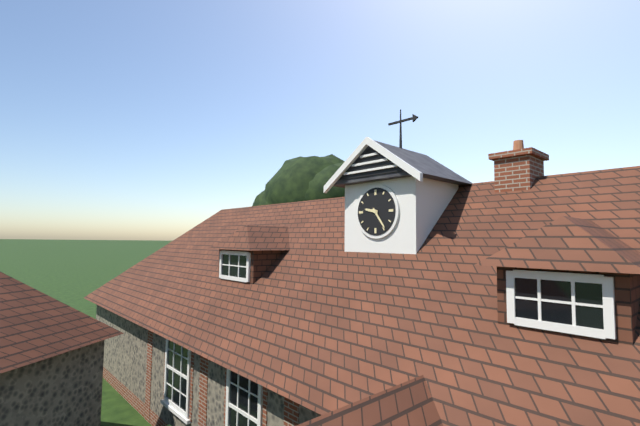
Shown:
h=9 m=24
